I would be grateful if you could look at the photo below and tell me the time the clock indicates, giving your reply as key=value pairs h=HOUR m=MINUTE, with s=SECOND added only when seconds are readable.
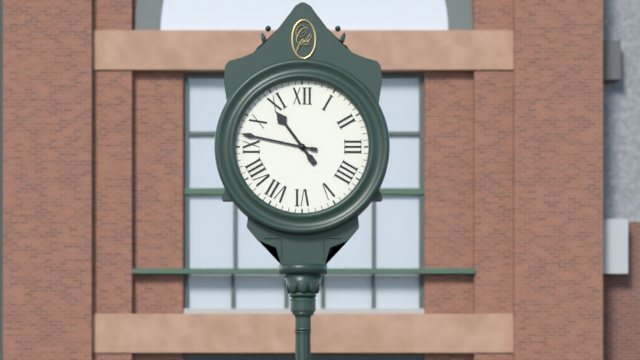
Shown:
h=10 m=47
